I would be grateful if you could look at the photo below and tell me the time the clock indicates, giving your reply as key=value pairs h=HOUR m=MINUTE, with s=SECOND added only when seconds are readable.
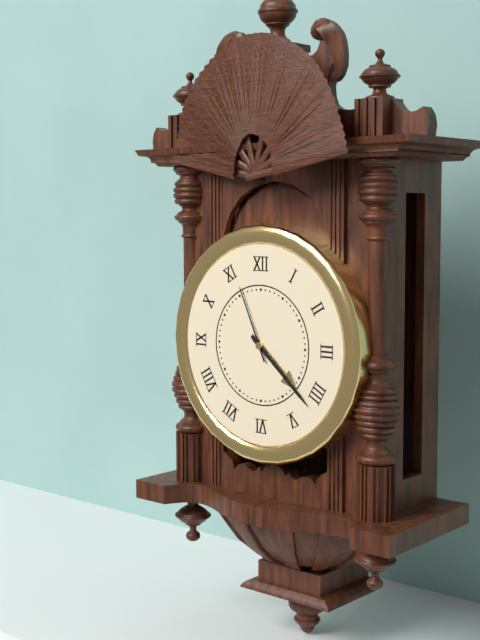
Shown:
h=4 m=22 s=56
